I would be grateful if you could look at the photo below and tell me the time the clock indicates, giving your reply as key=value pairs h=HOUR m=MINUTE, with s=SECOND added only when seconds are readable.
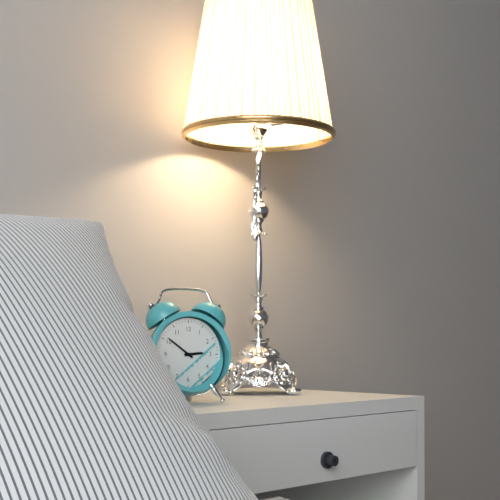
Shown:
h=2 m=51
